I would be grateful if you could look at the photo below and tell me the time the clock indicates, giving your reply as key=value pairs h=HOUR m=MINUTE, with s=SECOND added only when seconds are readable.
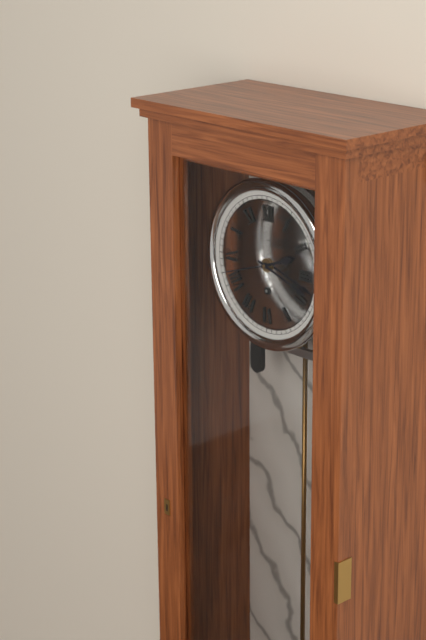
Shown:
h=2 m=18 s=42
